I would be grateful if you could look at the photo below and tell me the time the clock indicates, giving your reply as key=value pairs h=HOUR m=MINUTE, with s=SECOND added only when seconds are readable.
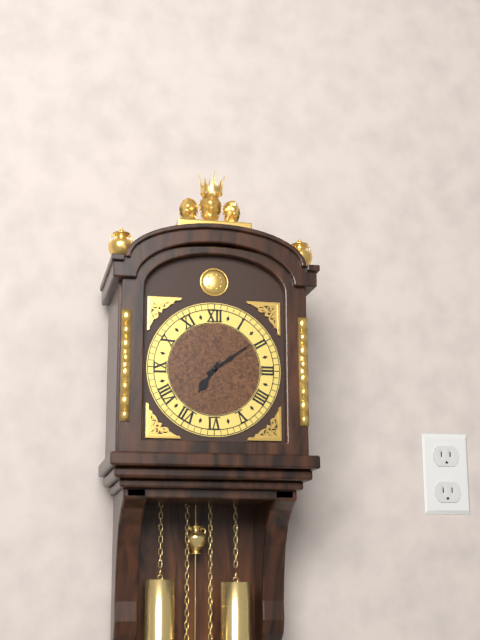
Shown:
h=7 m=9
